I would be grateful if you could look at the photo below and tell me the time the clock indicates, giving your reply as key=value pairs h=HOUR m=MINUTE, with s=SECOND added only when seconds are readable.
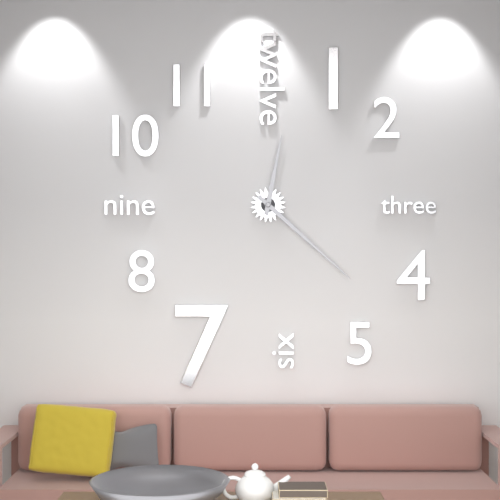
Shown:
h=12 m=22
